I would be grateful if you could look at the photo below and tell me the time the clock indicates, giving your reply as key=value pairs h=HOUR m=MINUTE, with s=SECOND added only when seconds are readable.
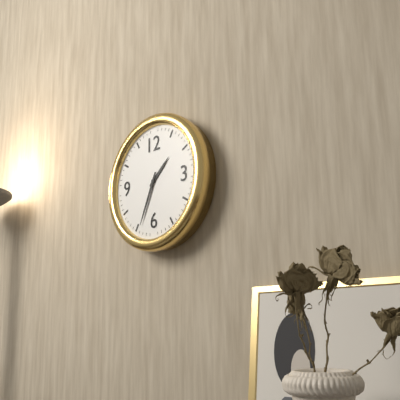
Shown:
h=1 m=34
